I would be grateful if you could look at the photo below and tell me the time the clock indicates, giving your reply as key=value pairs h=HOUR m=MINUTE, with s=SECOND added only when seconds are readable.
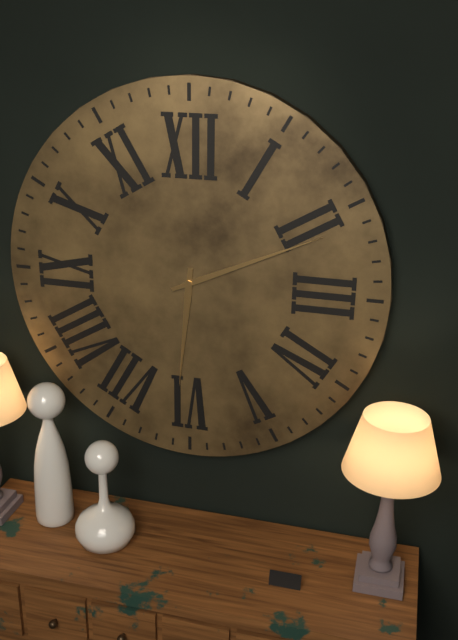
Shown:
h=6 m=11
